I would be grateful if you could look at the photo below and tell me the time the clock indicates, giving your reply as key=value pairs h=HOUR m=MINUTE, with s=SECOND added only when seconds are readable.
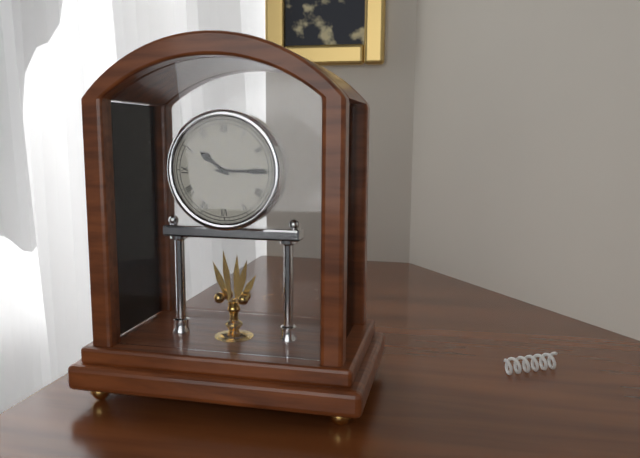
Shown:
h=10 m=15
